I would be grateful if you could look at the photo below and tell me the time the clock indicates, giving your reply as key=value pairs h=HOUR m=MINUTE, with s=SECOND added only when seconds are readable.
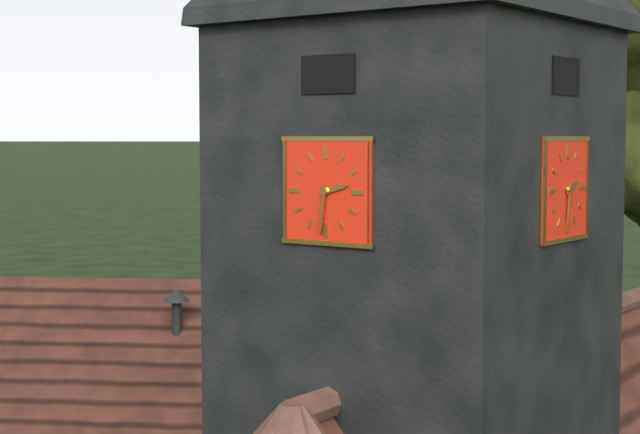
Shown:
h=2 m=31
